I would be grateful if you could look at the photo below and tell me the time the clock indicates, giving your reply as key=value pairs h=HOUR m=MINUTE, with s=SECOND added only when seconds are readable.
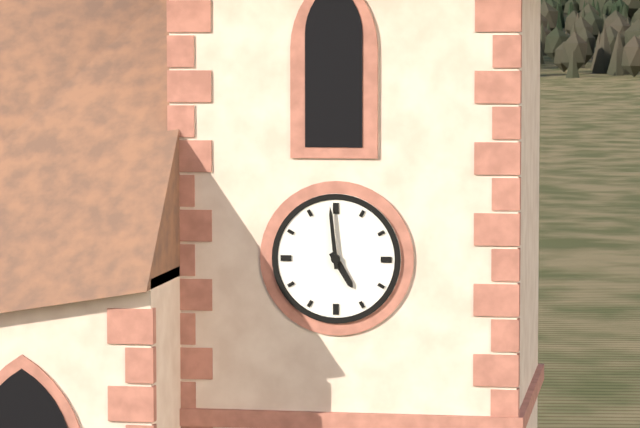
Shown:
h=4 m=59
